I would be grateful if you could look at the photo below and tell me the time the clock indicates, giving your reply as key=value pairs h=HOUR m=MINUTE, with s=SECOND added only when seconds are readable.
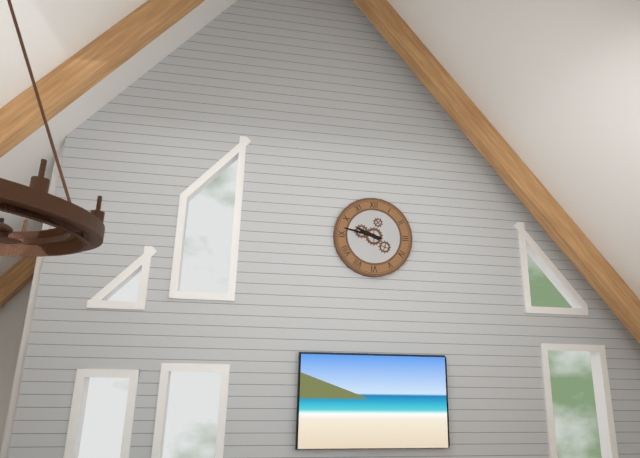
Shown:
h=9 m=47
